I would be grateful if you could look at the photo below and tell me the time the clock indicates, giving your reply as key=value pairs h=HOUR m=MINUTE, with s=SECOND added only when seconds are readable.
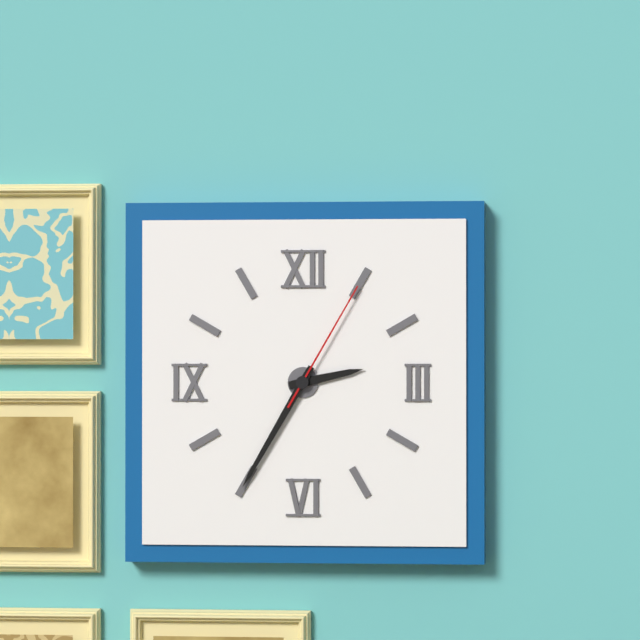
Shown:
h=2 m=35 s=5
